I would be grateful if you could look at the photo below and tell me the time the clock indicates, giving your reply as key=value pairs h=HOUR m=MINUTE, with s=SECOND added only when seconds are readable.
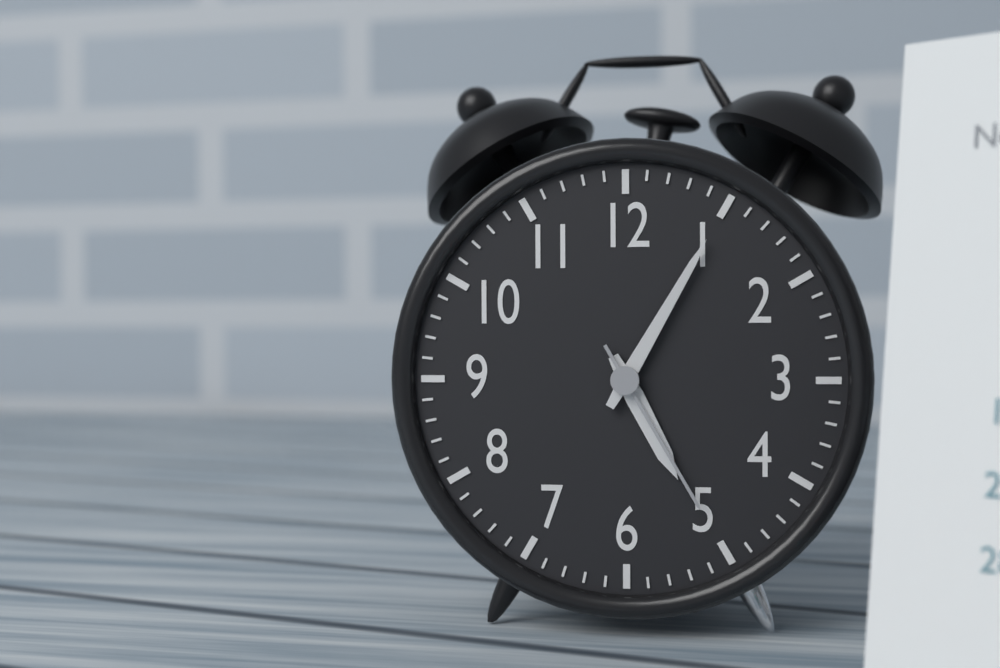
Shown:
h=5 m=5 s=25
